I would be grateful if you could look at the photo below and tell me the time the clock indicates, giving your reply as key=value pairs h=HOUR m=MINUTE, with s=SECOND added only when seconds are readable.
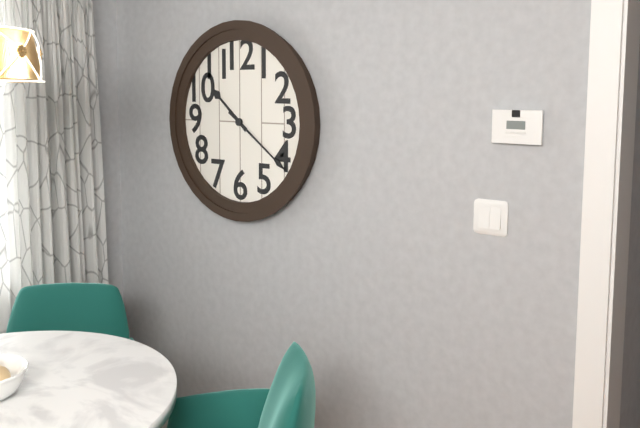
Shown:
h=10 m=21
